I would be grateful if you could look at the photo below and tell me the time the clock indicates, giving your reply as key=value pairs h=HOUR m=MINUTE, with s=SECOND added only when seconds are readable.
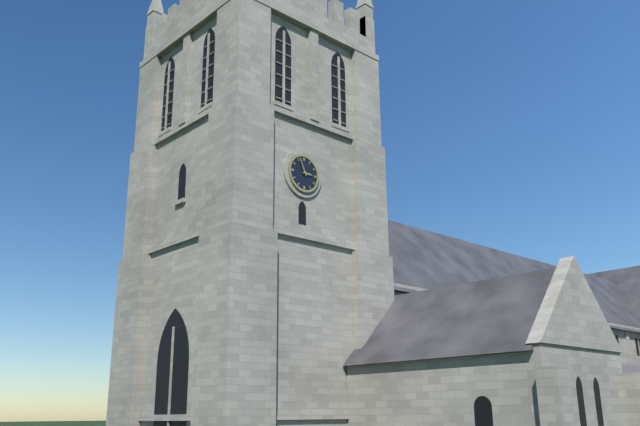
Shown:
h=2 m=56
